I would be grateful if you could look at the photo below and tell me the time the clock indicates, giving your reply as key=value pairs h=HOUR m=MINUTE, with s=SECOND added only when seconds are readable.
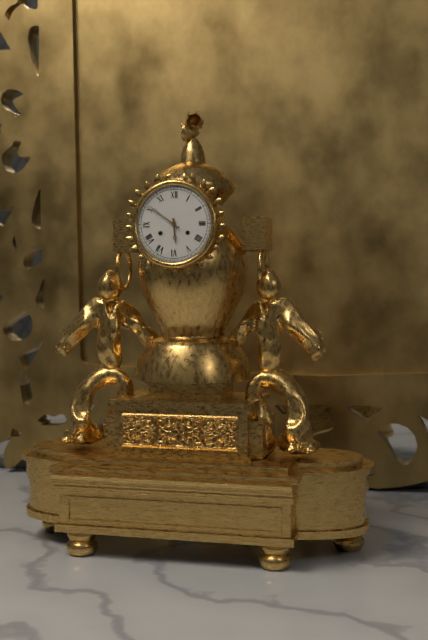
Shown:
h=5 m=51
